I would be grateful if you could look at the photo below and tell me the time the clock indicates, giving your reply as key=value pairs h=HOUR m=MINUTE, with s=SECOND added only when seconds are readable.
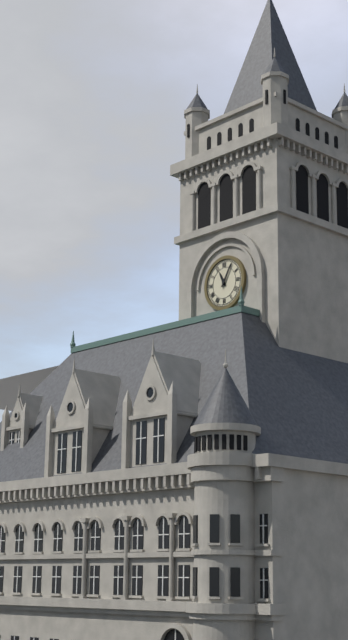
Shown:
h=11 m=5
